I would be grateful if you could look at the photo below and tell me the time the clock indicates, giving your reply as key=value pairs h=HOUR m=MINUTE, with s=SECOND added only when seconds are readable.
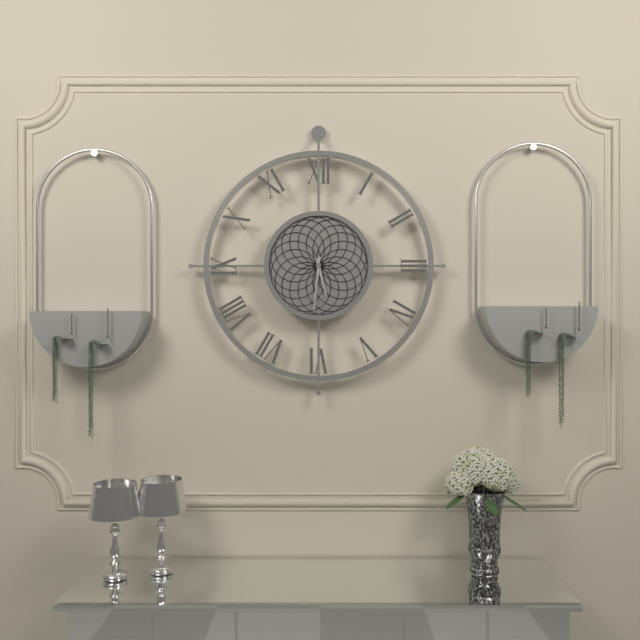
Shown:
h=5 m=31
